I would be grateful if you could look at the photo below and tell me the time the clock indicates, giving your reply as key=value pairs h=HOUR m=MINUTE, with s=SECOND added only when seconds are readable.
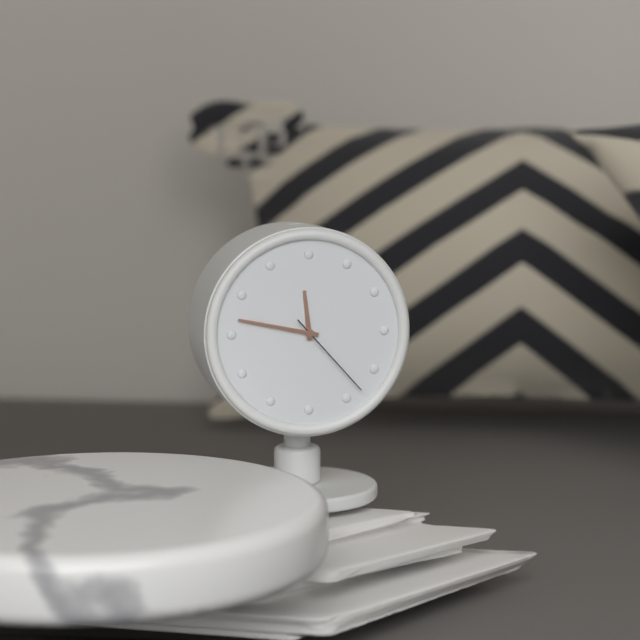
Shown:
h=11 m=47 s=23
